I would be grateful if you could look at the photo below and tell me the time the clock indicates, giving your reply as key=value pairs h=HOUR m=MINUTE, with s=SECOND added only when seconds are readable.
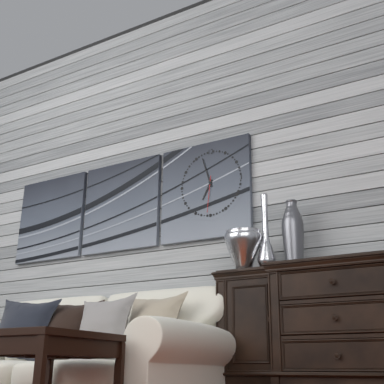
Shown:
h=6 m=57
